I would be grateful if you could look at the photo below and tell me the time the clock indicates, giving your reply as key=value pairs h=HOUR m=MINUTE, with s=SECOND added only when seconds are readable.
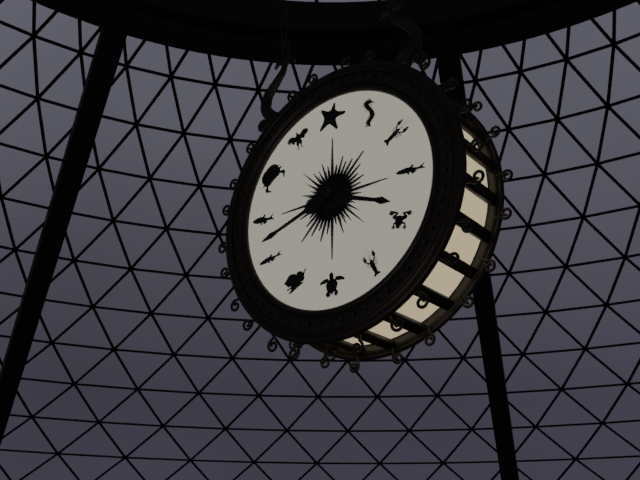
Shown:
h=3 m=42
